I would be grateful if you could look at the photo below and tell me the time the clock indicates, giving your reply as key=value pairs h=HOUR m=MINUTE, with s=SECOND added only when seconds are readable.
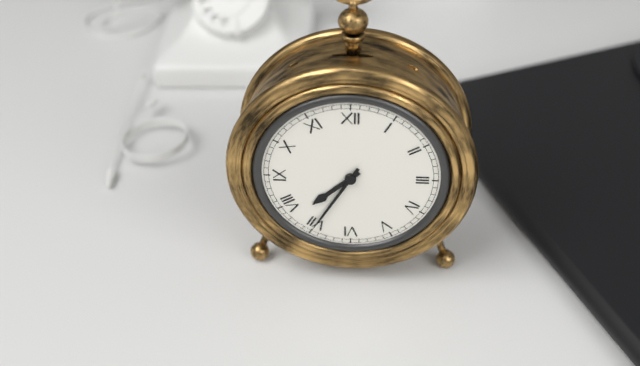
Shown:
h=7 m=35
